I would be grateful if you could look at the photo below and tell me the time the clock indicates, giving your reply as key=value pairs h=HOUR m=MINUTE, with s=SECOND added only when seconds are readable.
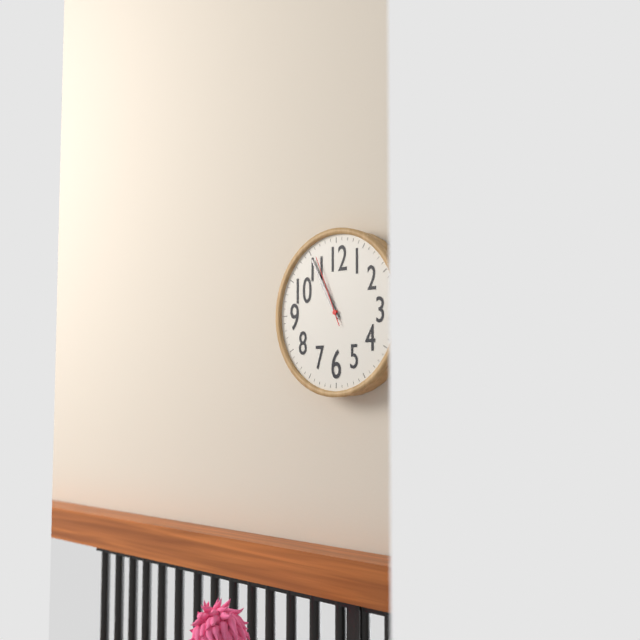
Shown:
h=10 m=55 s=56
